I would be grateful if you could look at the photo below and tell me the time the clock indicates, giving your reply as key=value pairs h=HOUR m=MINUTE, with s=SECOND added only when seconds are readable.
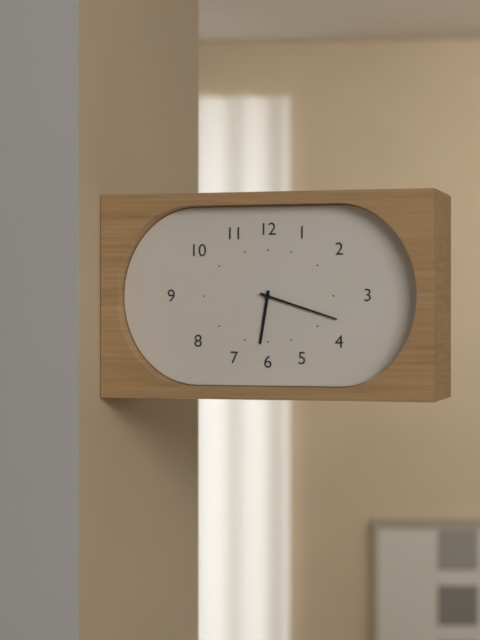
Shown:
h=6 m=18
